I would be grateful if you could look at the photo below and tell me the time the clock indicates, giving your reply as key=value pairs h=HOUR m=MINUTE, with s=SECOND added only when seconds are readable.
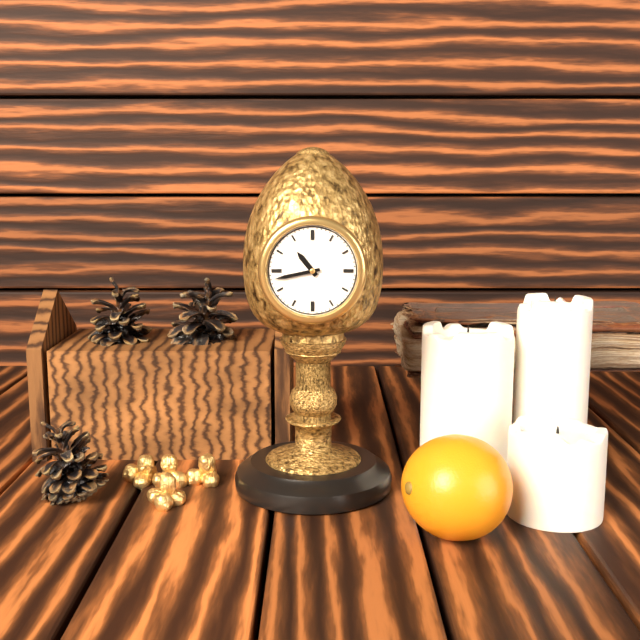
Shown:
h=10 m=43
